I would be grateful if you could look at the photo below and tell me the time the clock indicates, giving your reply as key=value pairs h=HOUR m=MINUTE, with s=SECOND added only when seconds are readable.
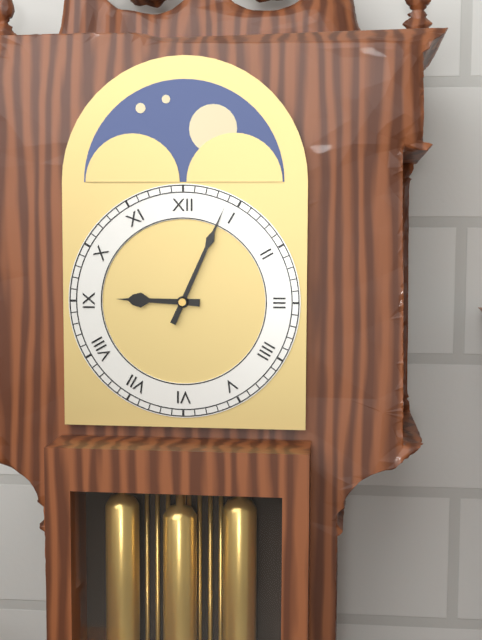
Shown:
h=9 m=4
